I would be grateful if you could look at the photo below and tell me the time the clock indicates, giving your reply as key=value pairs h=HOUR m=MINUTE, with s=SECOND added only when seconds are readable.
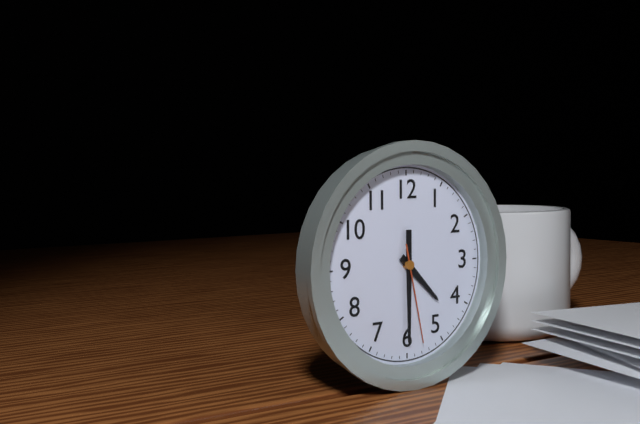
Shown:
h=4 m=30 s=28
